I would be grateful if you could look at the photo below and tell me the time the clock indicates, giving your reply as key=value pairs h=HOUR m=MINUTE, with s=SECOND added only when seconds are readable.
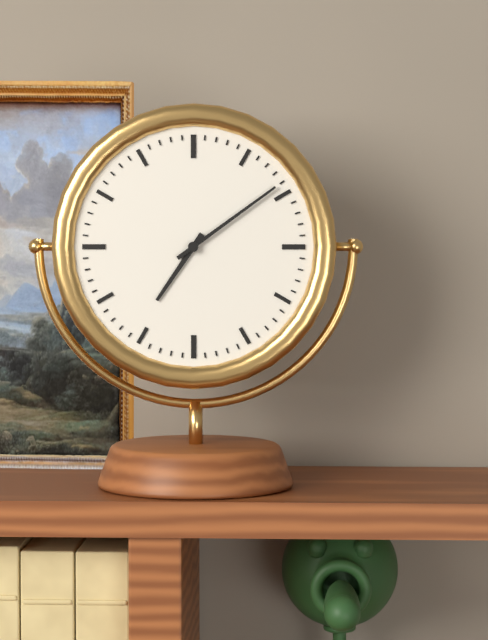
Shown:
h=7 m=9
